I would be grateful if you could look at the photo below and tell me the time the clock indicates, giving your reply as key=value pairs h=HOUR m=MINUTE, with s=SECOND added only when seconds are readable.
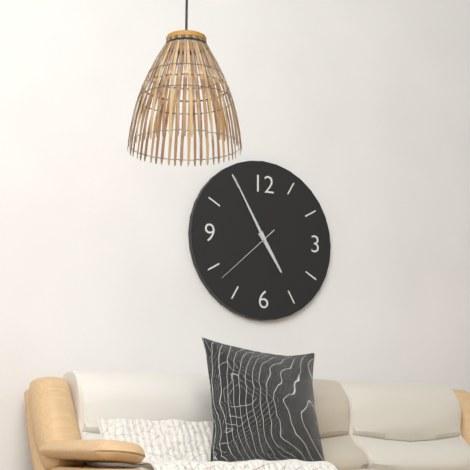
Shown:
h=4 m=55 s=38
